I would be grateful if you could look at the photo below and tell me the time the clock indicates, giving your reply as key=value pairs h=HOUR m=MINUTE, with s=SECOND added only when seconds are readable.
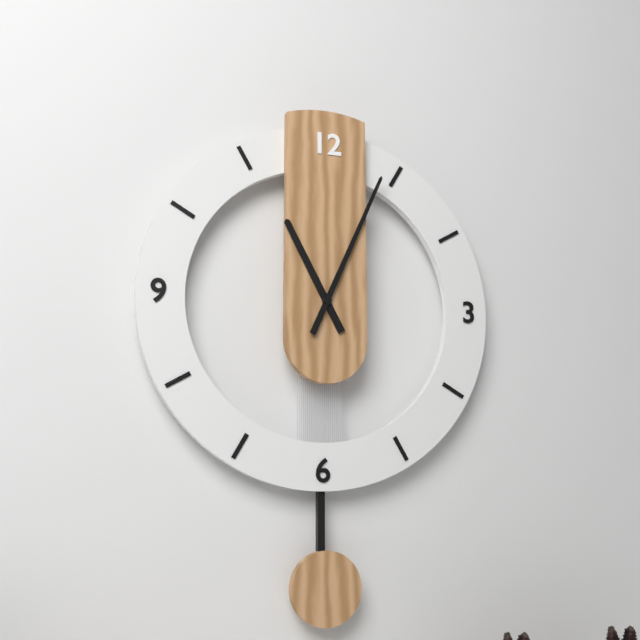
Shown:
h=11 m=4
